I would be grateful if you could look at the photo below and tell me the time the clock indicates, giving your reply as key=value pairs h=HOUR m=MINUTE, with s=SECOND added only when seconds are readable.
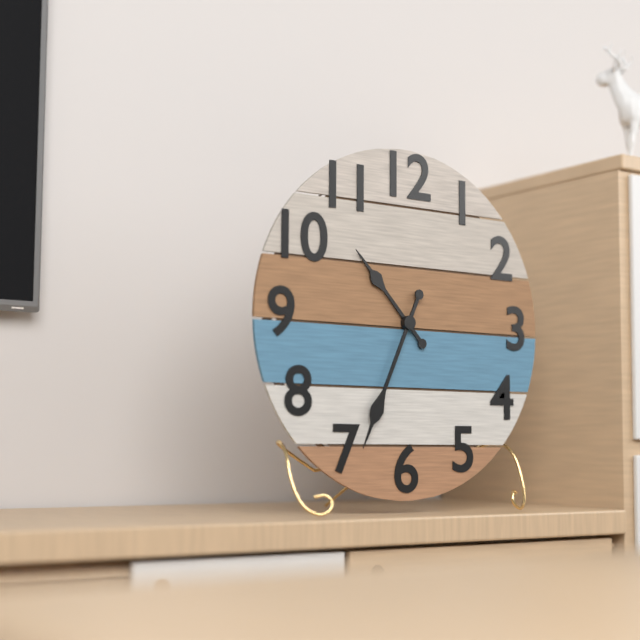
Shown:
h=10 m=34
